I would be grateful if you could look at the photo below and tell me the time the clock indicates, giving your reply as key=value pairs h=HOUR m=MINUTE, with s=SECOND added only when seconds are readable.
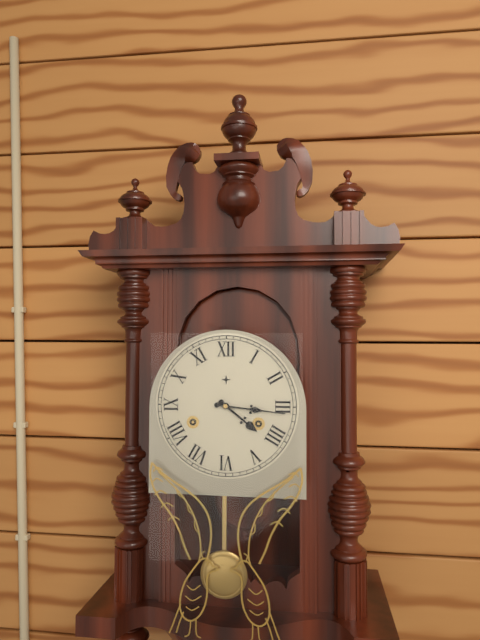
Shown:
h=4 m=16
